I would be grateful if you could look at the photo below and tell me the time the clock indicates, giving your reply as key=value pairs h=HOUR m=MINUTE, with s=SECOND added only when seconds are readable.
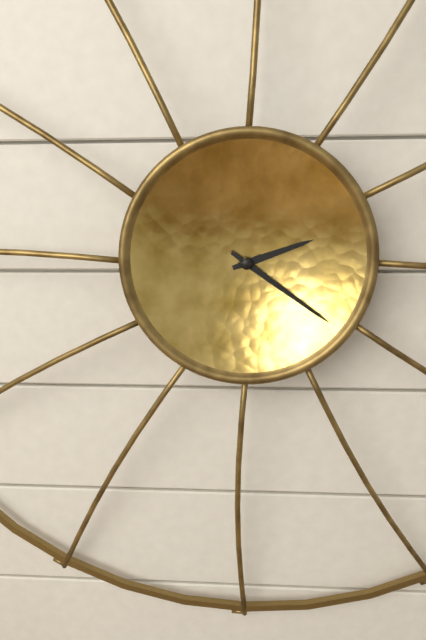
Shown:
h=2 m=21
